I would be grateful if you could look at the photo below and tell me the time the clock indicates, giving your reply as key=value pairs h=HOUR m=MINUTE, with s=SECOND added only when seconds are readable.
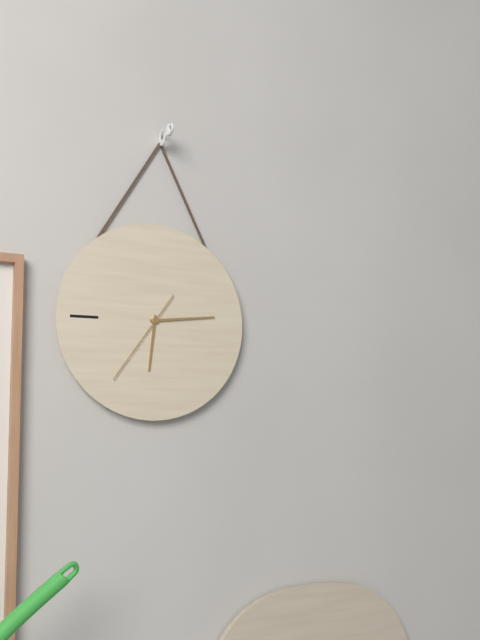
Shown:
h=6 m=14 s=36
